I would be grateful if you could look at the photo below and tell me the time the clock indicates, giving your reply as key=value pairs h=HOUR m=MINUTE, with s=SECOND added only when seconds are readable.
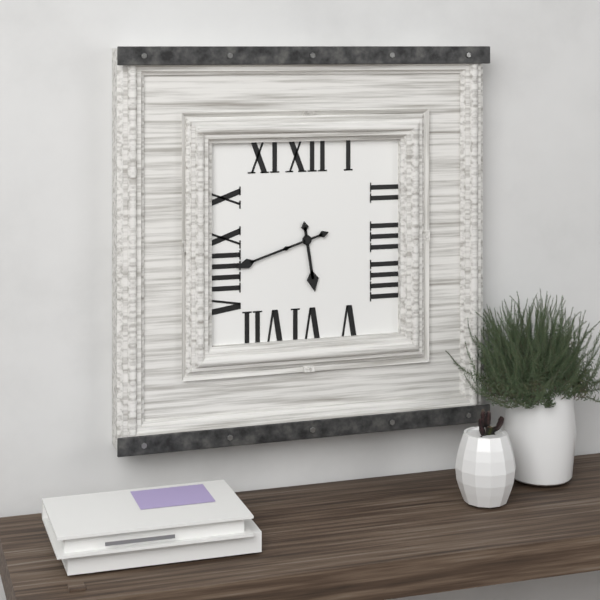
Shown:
h=5 m=42
